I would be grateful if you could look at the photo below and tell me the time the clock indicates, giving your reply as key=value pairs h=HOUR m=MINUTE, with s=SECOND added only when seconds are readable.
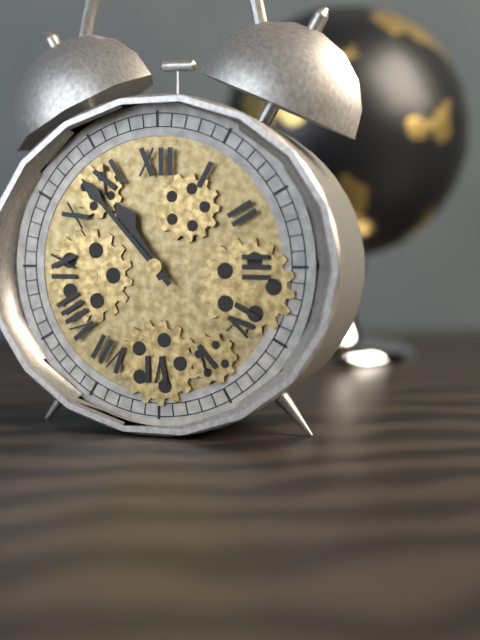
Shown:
h=10 m=53
